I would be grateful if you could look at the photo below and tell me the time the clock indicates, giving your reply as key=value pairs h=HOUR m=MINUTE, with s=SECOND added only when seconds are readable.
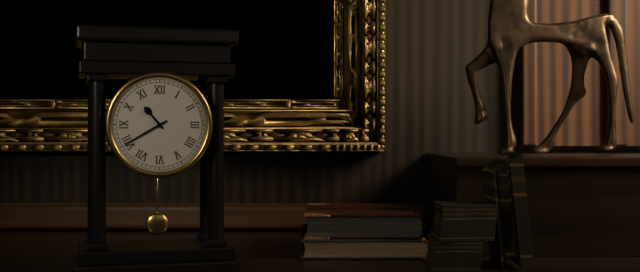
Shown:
h=10 m=40
